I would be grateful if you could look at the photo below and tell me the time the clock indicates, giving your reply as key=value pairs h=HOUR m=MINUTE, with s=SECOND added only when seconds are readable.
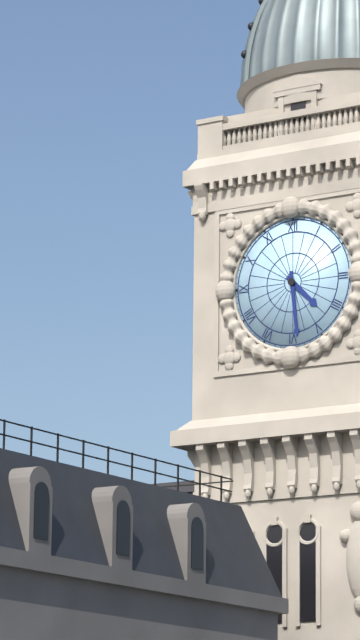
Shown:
h=4 m=29
